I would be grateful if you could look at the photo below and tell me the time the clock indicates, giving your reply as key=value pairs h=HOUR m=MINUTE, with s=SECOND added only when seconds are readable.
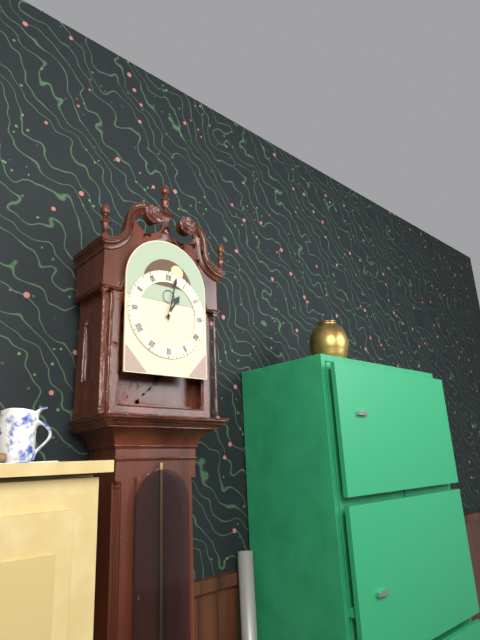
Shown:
h=1 m=2
